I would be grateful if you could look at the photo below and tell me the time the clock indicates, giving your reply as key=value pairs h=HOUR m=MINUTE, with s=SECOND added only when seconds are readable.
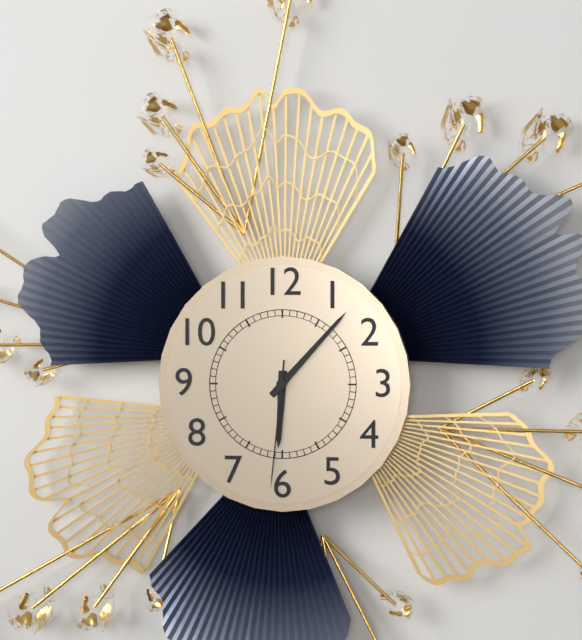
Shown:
h=6 m=7 s=31
